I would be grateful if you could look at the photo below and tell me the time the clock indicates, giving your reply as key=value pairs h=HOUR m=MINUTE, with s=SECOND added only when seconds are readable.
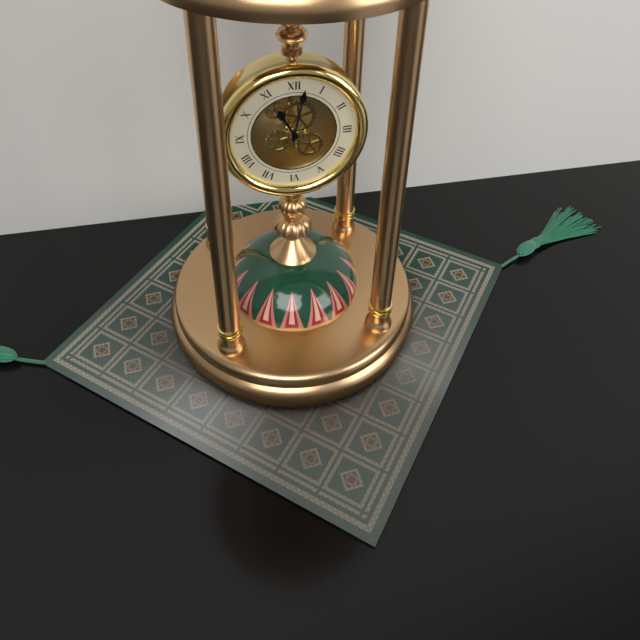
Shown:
h=11 m=2
